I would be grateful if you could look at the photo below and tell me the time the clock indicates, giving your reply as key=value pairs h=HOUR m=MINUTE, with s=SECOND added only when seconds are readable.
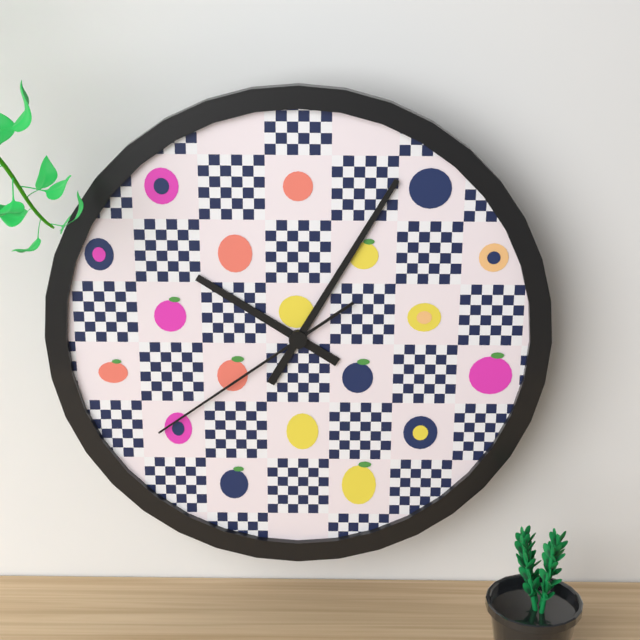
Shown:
h=10 m=5 s=39
